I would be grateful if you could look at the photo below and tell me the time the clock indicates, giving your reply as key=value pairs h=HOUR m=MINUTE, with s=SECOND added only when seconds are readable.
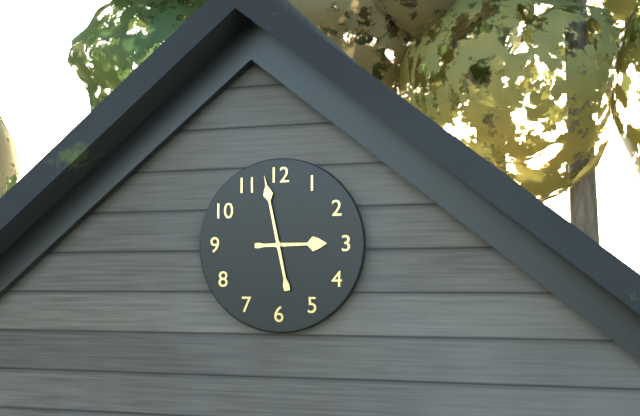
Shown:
h=2 m=58
